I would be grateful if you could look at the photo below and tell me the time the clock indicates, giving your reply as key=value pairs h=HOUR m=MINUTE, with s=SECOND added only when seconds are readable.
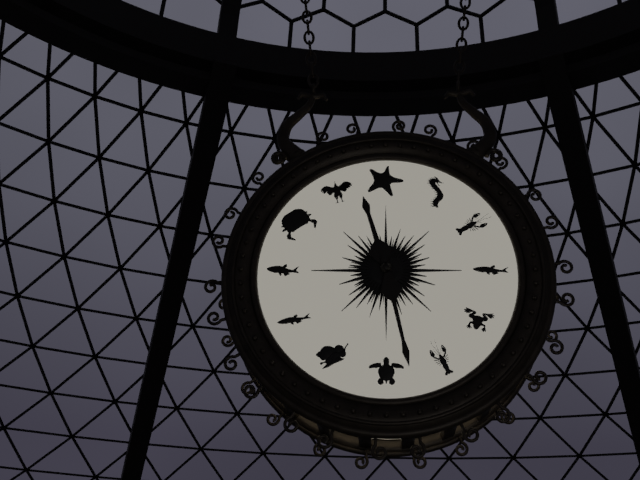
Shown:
h=11 m=28
